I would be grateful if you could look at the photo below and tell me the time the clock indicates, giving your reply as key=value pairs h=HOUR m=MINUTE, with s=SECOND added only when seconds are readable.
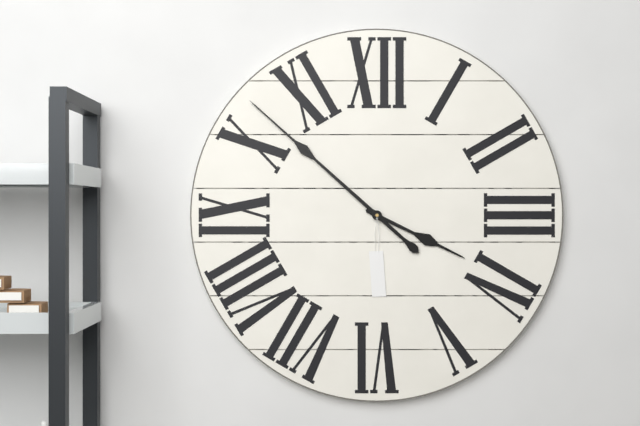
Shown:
h=3 m=52
